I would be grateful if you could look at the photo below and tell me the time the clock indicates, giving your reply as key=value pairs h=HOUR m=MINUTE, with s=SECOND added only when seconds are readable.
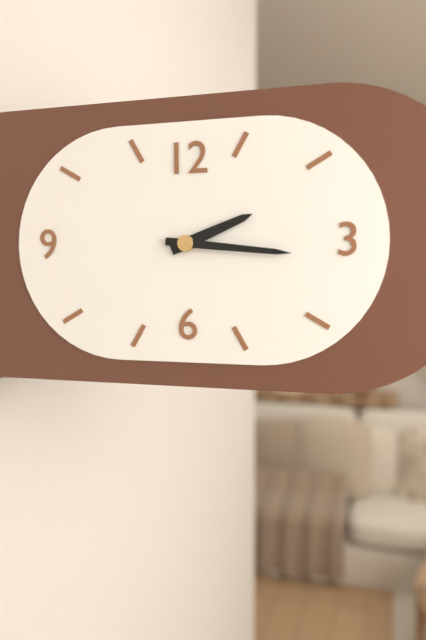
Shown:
h=2 m=16
